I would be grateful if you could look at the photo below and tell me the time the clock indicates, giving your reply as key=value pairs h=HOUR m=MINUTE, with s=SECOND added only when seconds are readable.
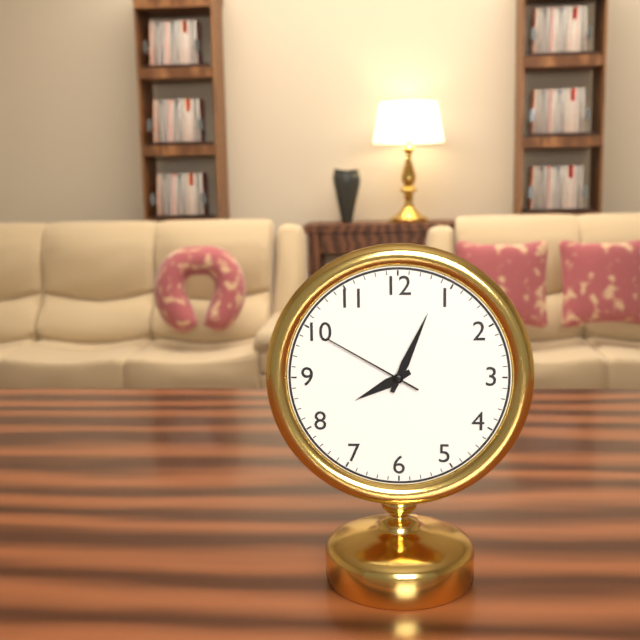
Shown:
h=8 m=4 s=50
